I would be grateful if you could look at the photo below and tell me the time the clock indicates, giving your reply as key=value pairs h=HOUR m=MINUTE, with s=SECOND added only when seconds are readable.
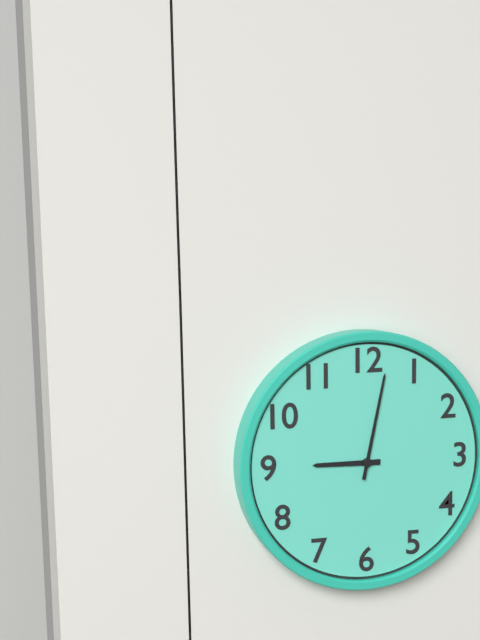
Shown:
h=9 m=2
